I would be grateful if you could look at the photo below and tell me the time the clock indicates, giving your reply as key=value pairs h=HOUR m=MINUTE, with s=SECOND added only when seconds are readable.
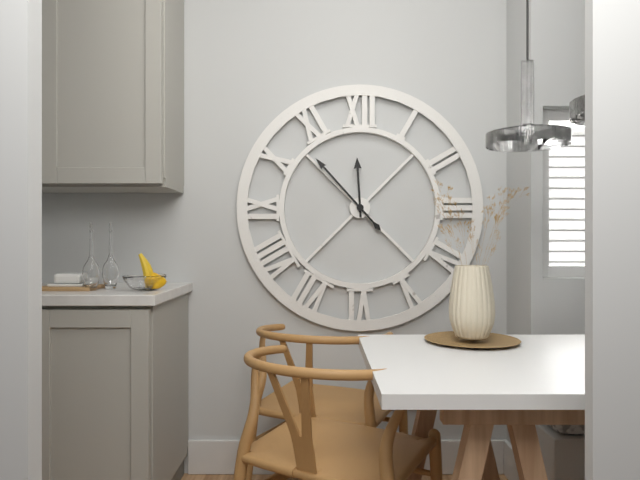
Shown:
h=11 m=53
